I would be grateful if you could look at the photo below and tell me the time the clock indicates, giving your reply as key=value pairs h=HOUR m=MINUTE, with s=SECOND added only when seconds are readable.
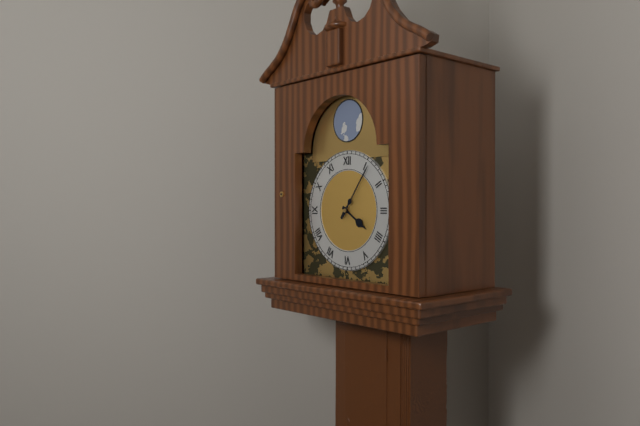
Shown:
h=4 m=6
